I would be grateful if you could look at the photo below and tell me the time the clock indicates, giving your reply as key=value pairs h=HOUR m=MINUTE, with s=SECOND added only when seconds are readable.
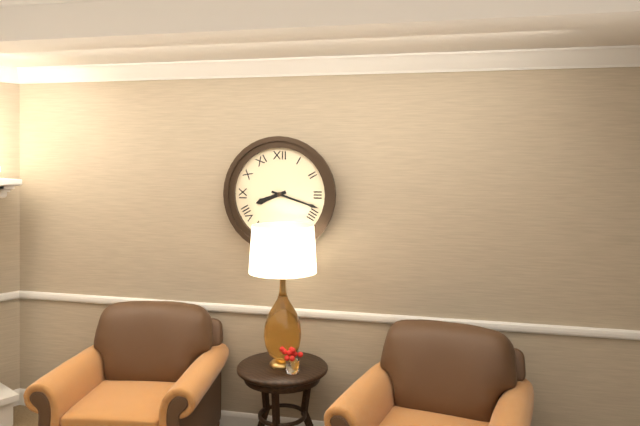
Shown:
h=8 m=18
